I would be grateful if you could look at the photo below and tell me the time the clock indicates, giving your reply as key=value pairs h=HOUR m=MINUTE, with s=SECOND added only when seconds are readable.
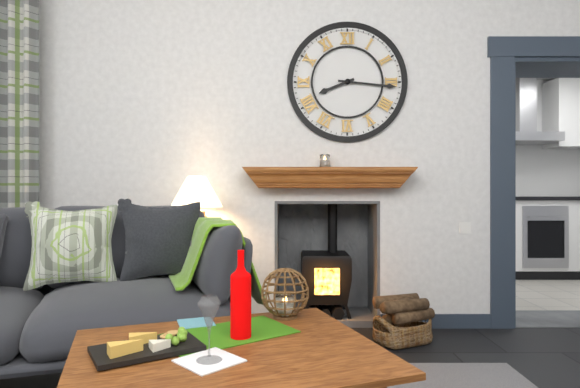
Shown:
h=8 m=16
